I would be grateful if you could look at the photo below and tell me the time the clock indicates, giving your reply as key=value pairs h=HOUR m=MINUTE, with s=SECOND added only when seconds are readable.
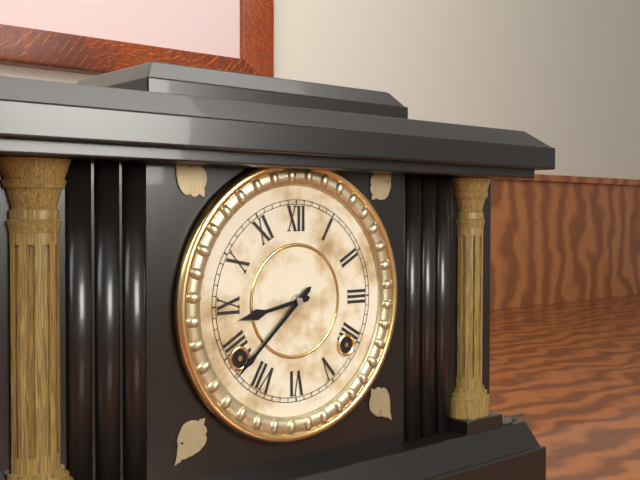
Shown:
h=8 m=38
